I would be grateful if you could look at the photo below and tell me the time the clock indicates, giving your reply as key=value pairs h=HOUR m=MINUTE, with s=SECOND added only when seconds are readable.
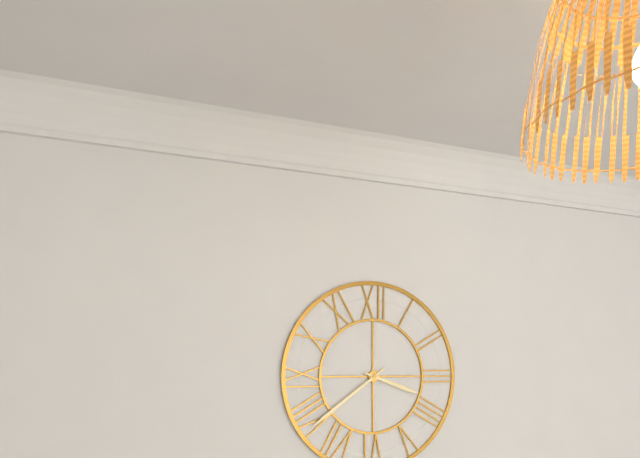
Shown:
h=3 m=39
